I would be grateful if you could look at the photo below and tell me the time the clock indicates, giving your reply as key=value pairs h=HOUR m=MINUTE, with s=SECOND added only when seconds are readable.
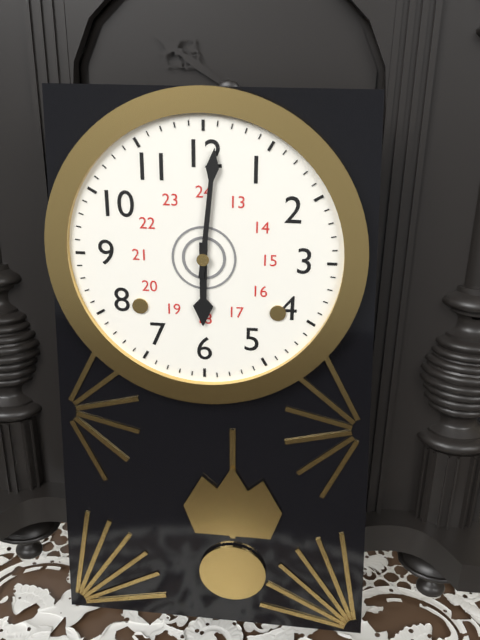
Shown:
h=6 m=1
